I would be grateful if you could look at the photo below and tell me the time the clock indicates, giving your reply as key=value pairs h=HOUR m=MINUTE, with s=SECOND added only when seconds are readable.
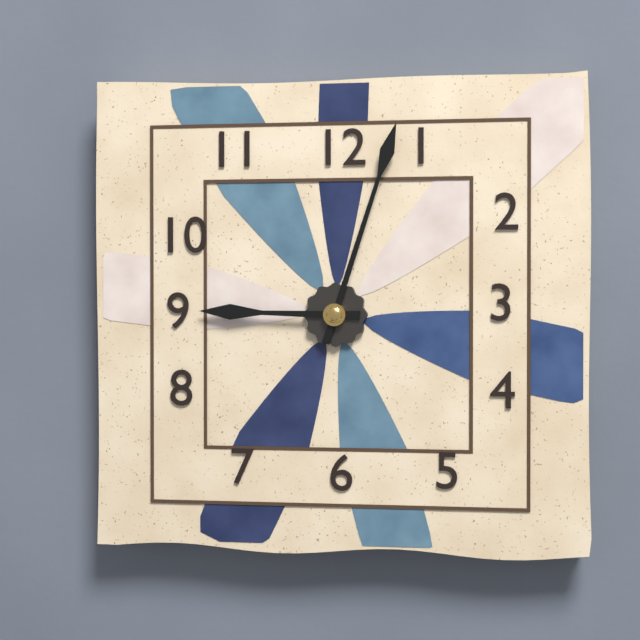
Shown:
h=9 m=3
